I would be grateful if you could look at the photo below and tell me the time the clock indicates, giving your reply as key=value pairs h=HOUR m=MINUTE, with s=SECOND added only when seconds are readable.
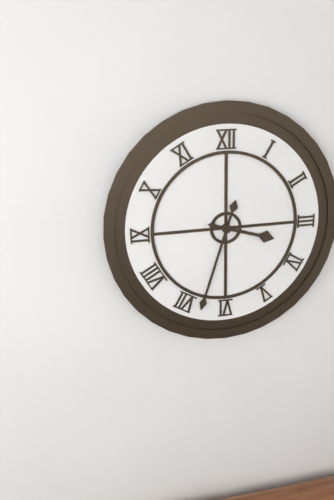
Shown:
h=3 m=33
